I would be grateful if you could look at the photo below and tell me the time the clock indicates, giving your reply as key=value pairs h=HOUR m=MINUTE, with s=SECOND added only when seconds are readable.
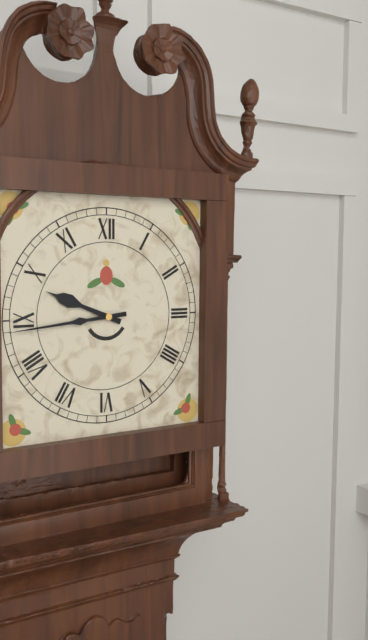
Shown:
h=9 m=44
